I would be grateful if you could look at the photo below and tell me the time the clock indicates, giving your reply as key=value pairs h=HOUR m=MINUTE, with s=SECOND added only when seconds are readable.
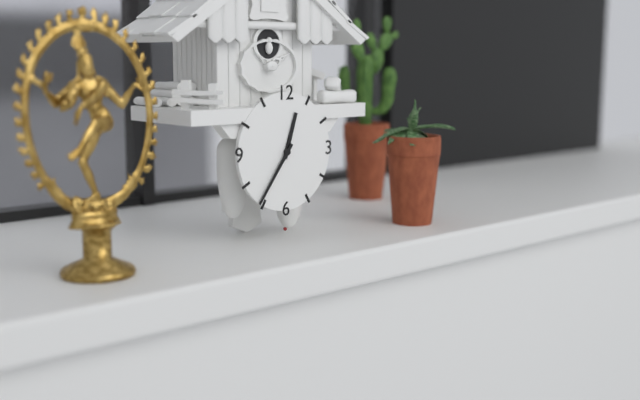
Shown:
h=12 m=36
